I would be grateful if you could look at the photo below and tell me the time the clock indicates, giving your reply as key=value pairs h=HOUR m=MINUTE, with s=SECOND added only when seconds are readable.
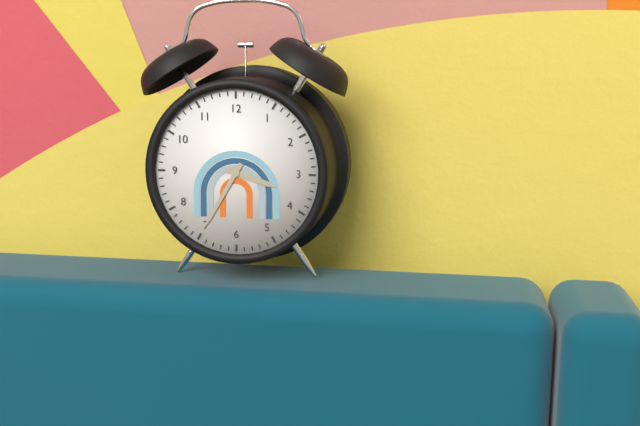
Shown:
h=3 m=35
